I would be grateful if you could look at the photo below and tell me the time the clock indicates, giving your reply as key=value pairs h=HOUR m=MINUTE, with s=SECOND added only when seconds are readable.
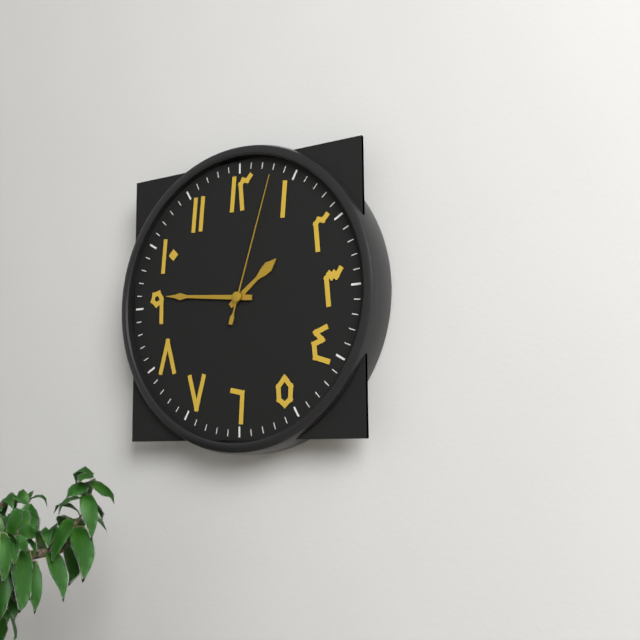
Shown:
h=1 m=46 s=3
